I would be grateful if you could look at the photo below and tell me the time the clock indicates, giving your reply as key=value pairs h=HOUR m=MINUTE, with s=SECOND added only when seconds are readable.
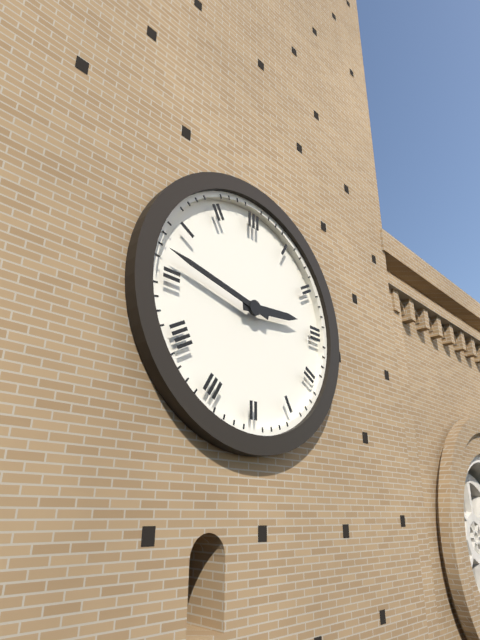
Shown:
h=2 m=47
